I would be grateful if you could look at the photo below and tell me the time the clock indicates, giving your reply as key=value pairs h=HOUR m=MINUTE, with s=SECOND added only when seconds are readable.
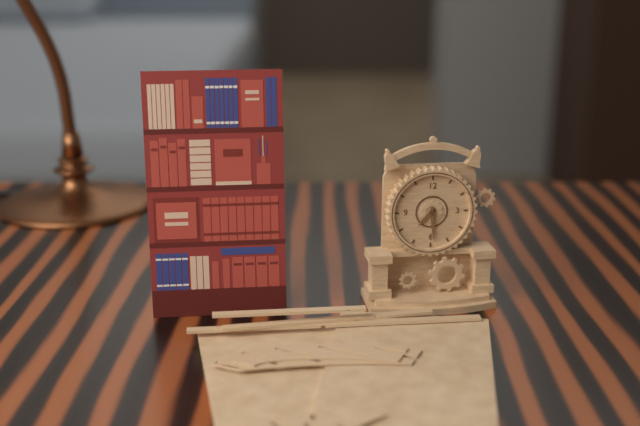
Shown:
h=7 m=29
